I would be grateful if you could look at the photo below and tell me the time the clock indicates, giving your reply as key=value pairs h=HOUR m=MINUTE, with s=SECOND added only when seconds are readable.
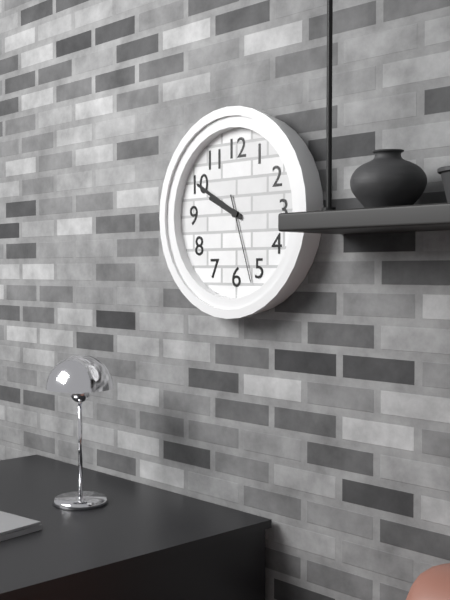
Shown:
h=9 m=50 s=27
